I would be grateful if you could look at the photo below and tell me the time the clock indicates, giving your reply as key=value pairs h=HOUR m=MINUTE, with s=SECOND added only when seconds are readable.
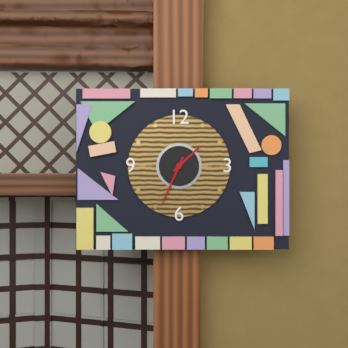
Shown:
h=1 m=34
